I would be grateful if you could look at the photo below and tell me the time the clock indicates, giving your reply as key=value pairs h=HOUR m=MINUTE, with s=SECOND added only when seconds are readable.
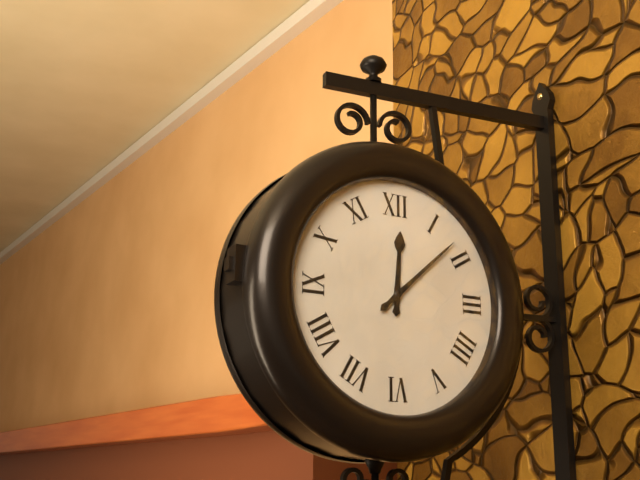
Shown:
h=12 m=8
